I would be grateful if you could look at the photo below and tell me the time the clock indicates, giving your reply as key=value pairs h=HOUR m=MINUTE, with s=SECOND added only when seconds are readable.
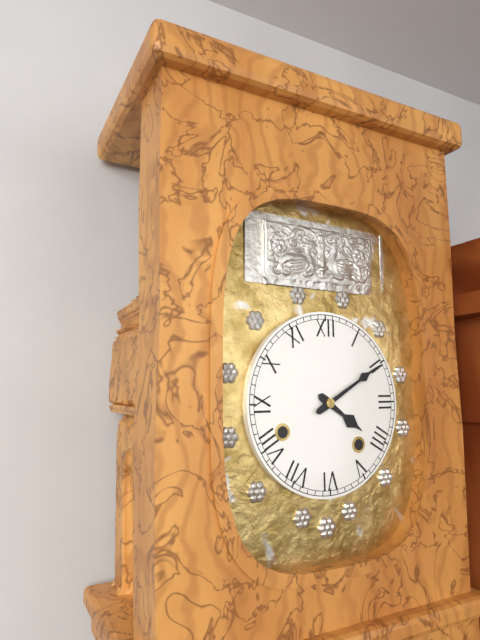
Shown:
h=4 m=10
